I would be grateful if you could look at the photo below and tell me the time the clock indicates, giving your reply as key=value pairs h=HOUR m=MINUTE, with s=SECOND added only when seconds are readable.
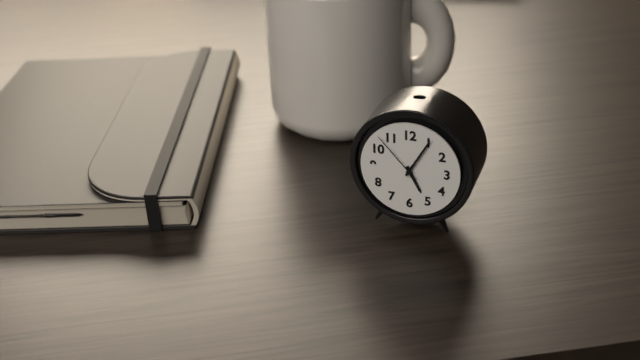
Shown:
h=5 m=5 s=53
